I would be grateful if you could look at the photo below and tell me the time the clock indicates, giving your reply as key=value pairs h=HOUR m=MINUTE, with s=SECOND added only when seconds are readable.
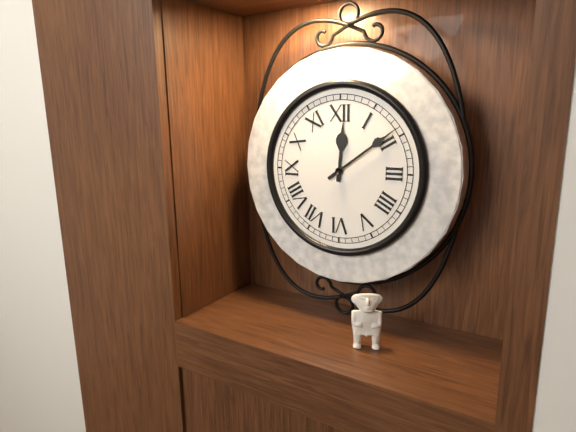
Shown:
h=12 m=9
